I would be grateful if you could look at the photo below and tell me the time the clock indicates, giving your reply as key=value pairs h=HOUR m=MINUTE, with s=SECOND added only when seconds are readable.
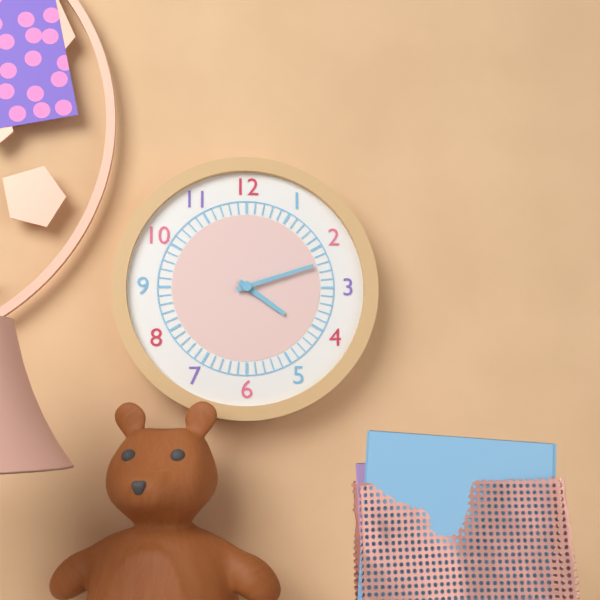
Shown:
h=4 m=12
